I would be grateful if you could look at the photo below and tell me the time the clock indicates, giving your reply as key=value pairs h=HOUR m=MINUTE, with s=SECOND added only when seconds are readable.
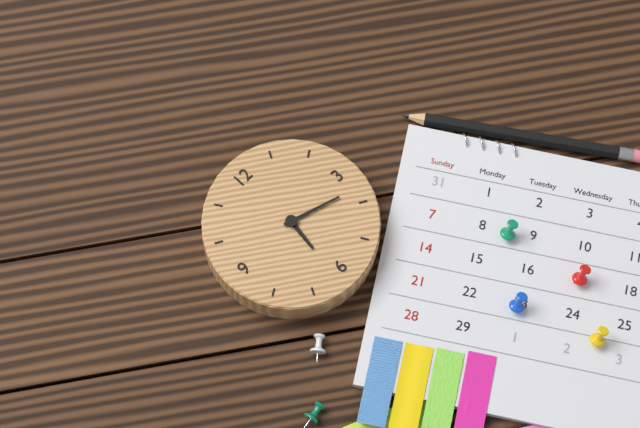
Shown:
h=6 m=18
